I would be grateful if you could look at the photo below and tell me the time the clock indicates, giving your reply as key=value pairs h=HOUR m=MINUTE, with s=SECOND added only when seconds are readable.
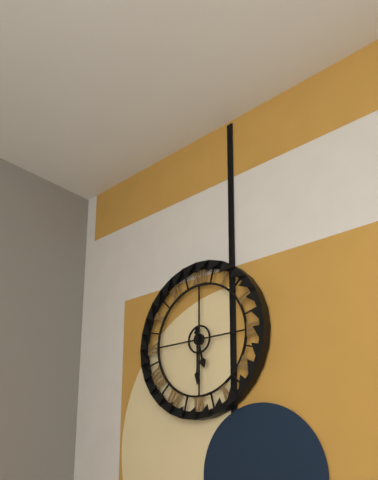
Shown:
h=5 m=30
